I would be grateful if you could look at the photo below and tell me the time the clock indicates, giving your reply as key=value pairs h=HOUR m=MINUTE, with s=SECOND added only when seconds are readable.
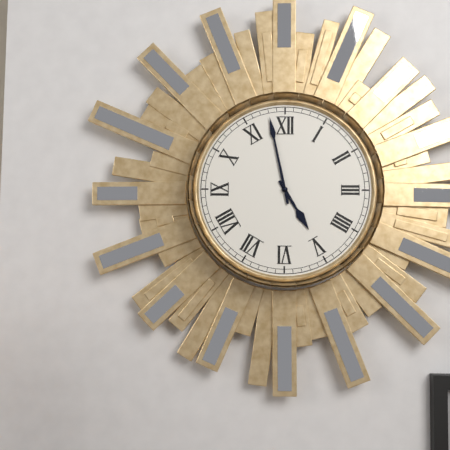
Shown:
h=4 m=58
